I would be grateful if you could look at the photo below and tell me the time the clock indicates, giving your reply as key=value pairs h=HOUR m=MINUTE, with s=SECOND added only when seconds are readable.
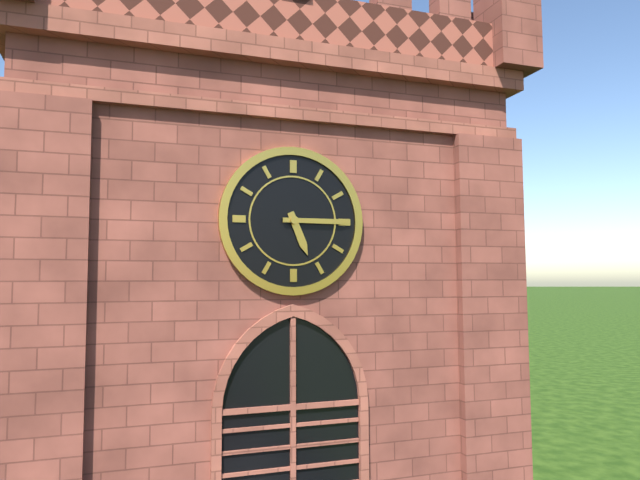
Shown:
h=5 m=15
